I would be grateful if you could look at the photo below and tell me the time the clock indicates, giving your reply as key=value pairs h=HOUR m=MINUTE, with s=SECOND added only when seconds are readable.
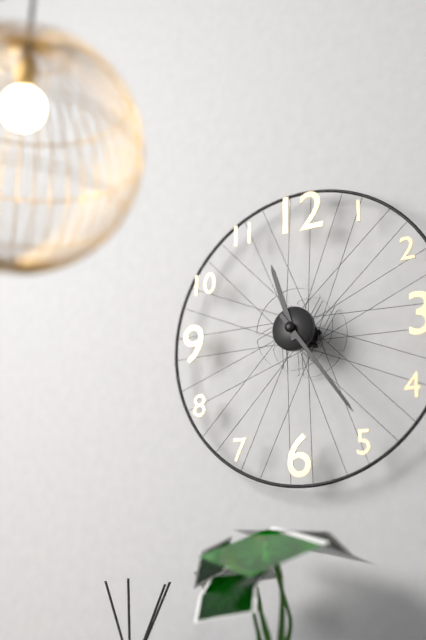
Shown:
h=11 m=24
